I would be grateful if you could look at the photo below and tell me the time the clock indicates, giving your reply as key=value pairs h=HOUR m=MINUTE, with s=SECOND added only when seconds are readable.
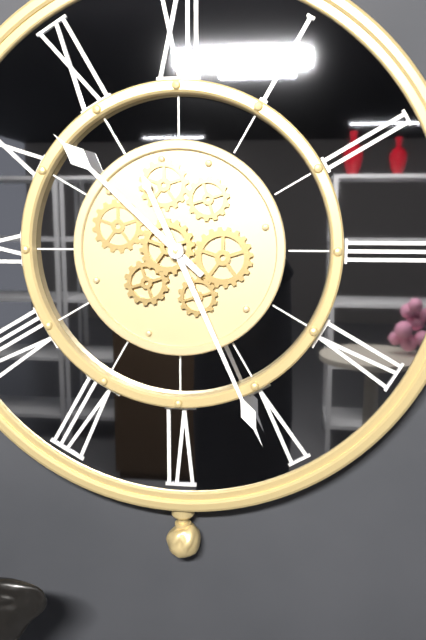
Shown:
h=10 m=26
